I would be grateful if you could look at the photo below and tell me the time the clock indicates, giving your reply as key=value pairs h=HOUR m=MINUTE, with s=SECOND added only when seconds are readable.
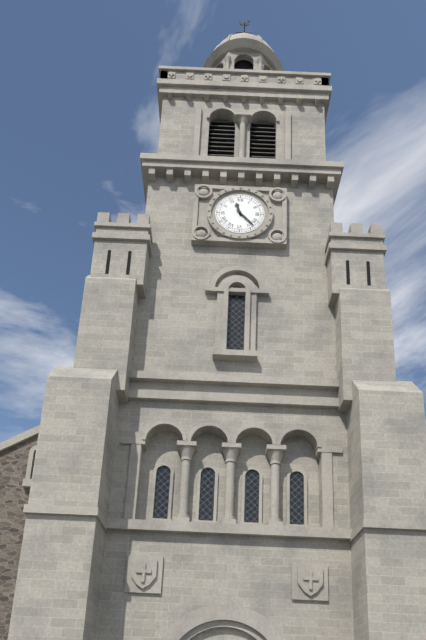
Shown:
h=11 m=23
